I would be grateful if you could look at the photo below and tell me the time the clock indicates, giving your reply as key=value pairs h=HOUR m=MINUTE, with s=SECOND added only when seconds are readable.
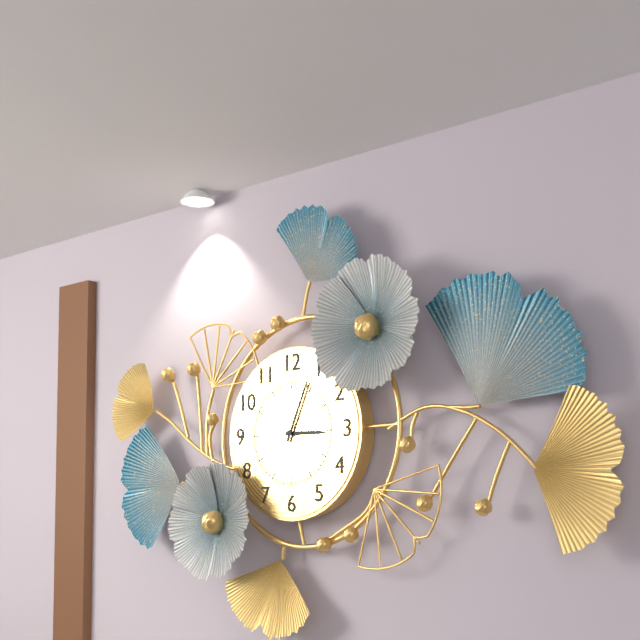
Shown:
h=3 m=4
